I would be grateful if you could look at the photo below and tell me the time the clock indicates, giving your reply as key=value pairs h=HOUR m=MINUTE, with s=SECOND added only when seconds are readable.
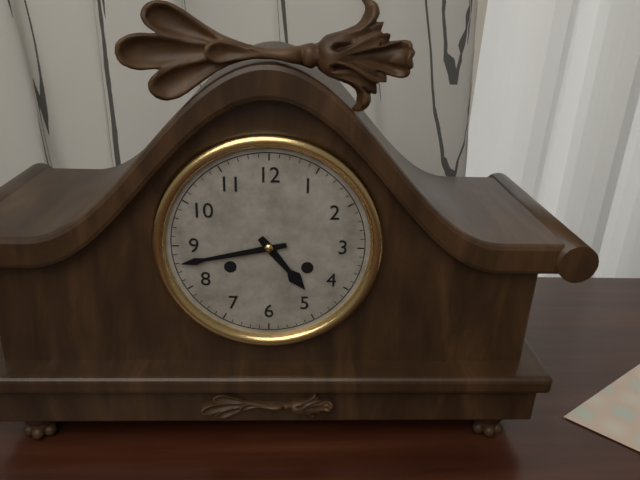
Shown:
h=4 m=43
